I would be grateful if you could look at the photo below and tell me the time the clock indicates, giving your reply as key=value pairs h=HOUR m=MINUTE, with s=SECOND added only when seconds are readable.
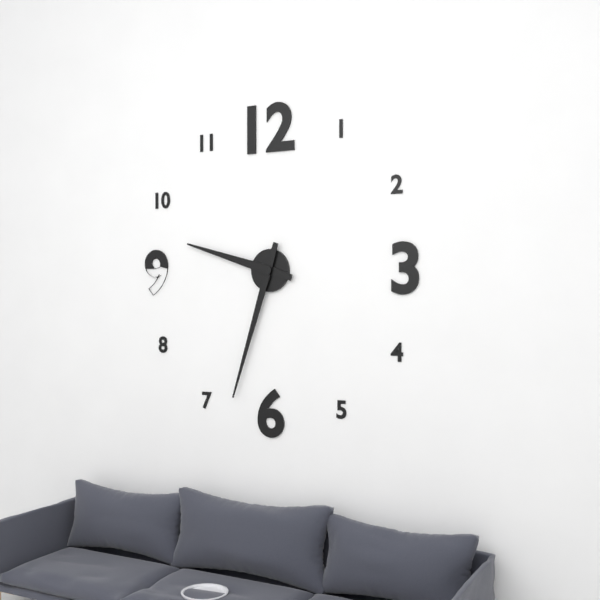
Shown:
h=9 m=33
